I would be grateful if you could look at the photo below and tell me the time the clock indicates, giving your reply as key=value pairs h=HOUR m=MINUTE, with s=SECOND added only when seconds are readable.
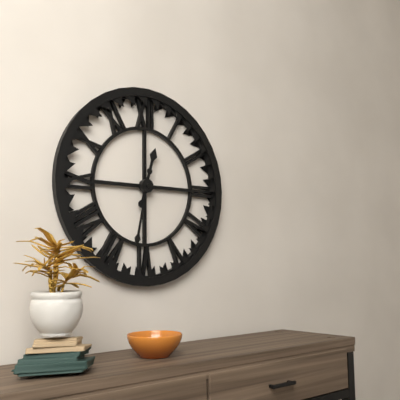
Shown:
h=12 m=32
